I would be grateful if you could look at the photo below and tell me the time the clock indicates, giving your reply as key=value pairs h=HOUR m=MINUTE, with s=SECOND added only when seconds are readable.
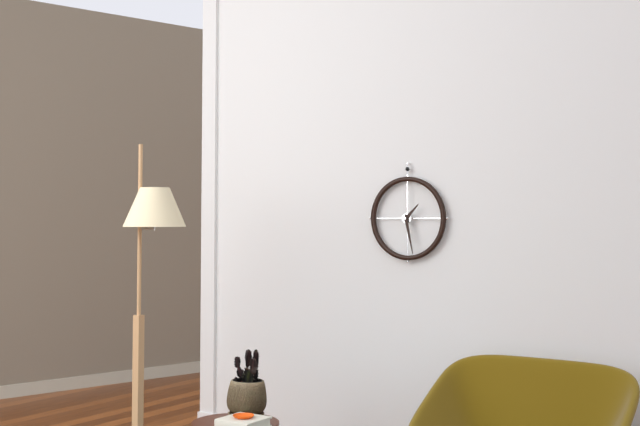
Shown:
h=1 m=28
